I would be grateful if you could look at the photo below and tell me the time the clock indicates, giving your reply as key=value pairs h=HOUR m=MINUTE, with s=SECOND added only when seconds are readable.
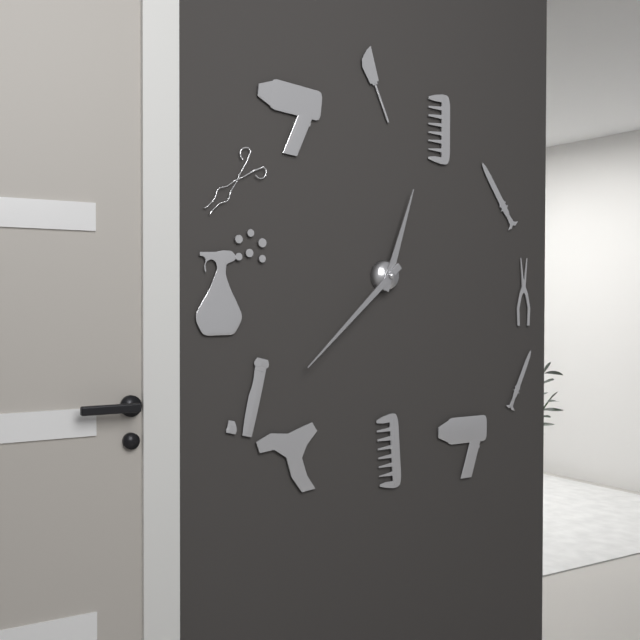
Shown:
h=12 m=38
